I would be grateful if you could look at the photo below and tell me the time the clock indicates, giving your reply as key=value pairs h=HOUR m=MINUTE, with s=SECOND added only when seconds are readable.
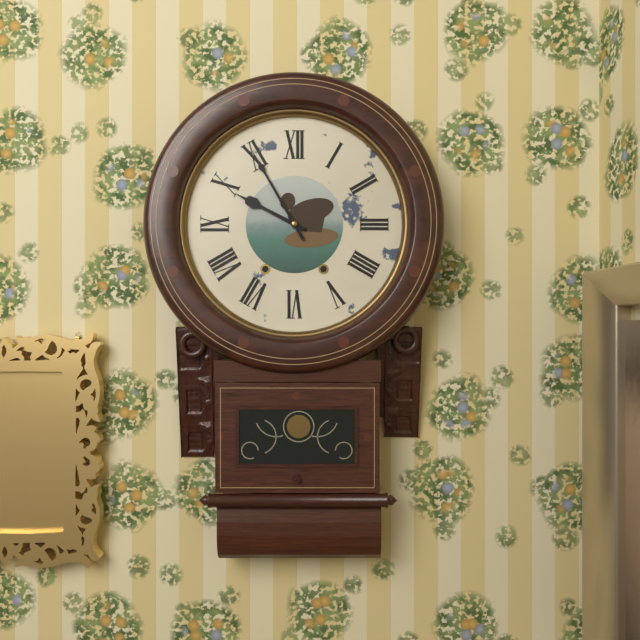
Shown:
h=9 m=55
